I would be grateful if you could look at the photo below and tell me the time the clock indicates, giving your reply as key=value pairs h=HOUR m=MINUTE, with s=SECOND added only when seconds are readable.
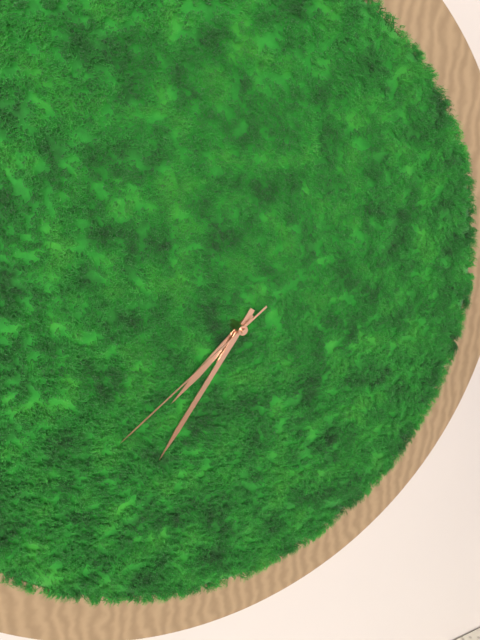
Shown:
h=7 m=36 s=39
